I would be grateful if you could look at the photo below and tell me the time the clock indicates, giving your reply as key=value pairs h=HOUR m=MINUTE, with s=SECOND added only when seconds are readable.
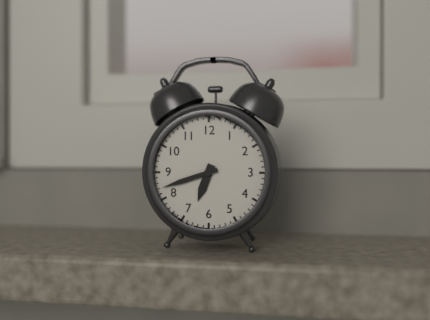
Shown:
h=6 m=42
